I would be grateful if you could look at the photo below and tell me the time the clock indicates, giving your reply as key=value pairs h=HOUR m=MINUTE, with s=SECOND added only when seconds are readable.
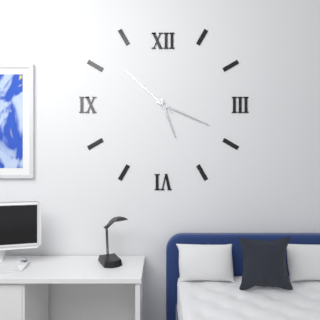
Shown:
h=5 m=19 s=52
